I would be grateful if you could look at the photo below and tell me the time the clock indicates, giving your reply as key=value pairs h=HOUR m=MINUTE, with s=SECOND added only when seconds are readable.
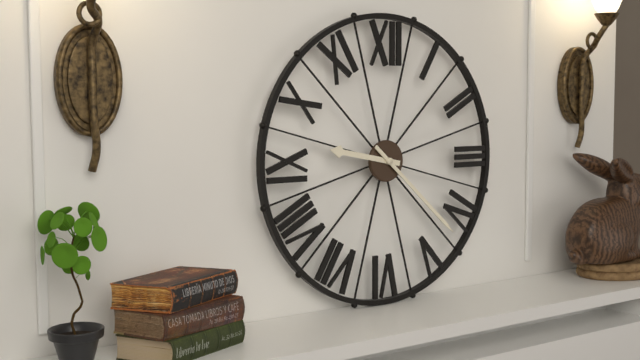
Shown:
h=9 m=22
